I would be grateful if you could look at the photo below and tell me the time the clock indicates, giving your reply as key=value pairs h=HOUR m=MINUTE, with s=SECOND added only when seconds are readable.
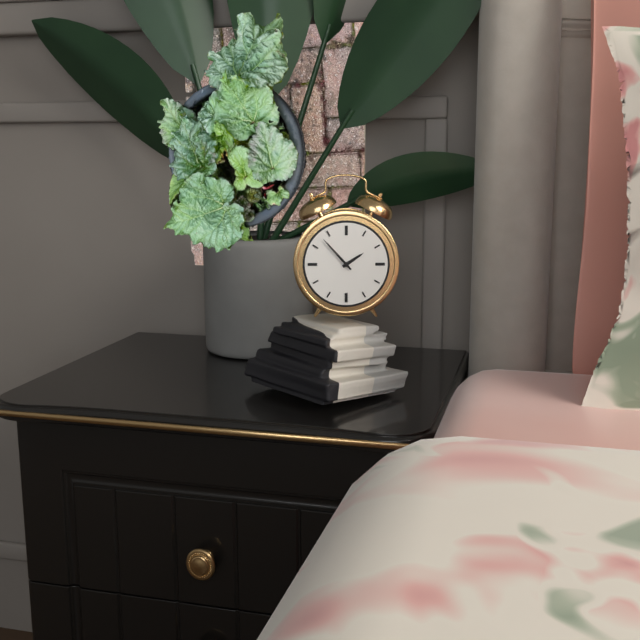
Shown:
h=1 m=53
